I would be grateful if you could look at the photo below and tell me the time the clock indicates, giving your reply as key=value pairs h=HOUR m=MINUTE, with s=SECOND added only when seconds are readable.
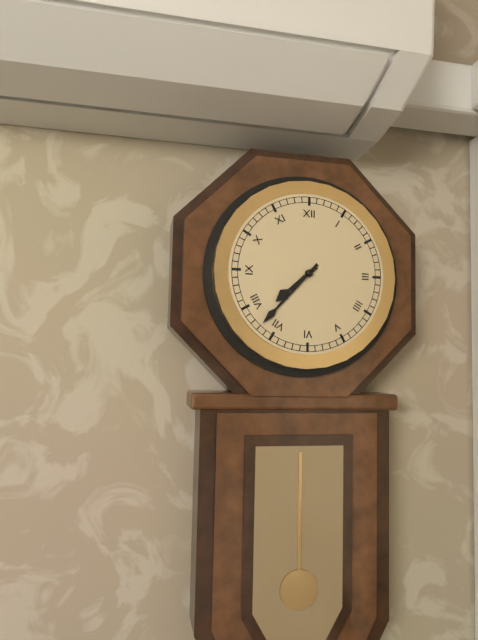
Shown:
h=7 m=37
